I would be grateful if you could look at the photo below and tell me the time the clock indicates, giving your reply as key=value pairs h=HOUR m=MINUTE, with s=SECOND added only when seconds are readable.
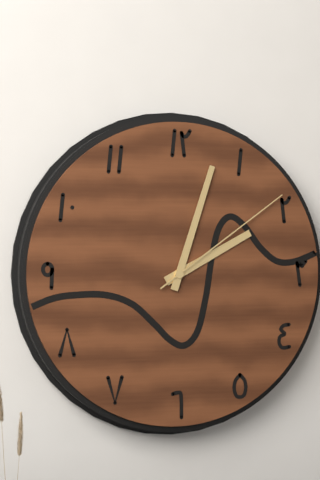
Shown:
h=2 m=3 s=9
